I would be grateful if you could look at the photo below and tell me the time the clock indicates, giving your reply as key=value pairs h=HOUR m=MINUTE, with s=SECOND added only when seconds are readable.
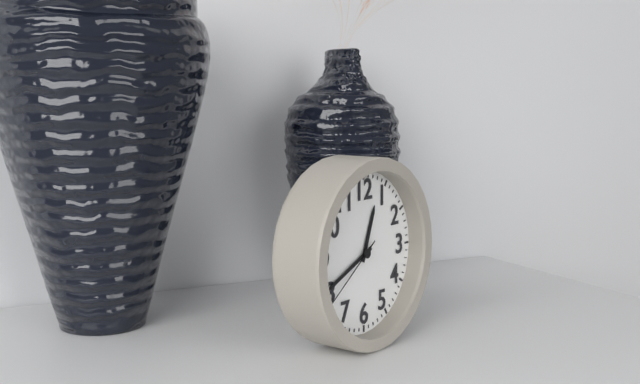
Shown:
h=12 m=41 s=39
